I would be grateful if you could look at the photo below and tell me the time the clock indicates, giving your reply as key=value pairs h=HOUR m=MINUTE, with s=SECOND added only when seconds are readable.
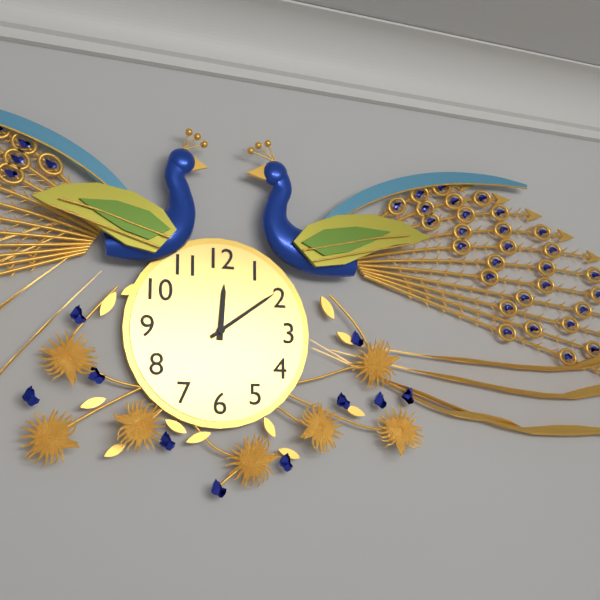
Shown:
h=12 m=9
